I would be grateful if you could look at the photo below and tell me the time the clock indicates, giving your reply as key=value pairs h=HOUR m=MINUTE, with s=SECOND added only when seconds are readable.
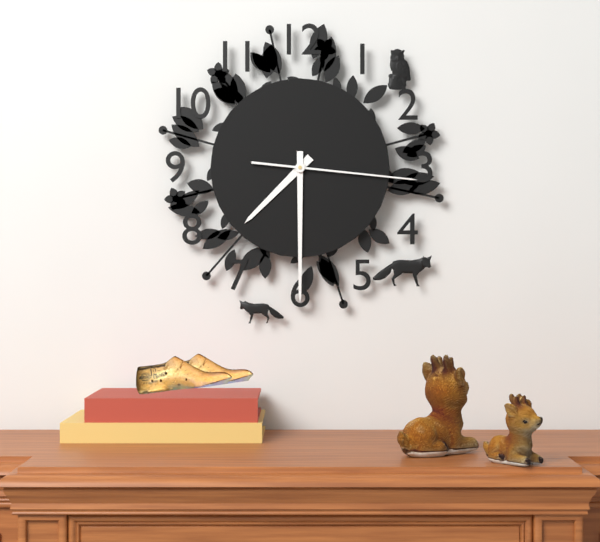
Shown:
h=7 m=30 s=16
